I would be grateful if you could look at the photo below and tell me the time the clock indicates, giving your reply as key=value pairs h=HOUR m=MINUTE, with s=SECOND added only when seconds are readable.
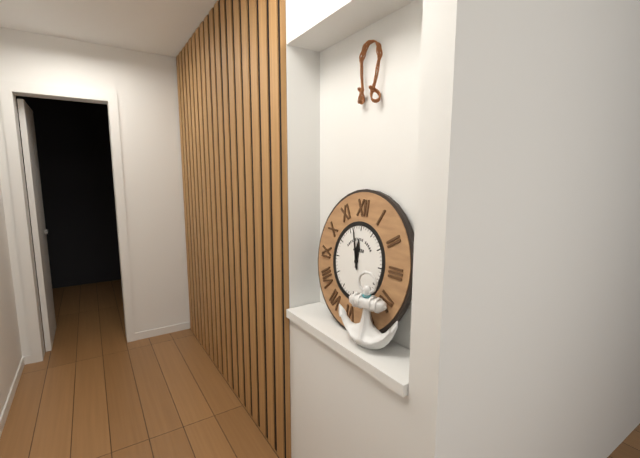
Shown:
h=11 m=57
